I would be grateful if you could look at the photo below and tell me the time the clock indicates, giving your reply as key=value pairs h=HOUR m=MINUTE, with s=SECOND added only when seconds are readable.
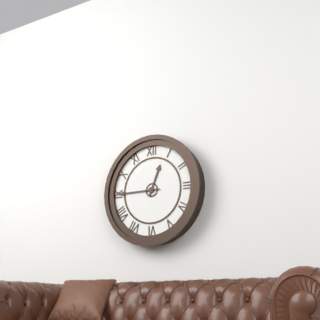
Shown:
h=12 m=45
